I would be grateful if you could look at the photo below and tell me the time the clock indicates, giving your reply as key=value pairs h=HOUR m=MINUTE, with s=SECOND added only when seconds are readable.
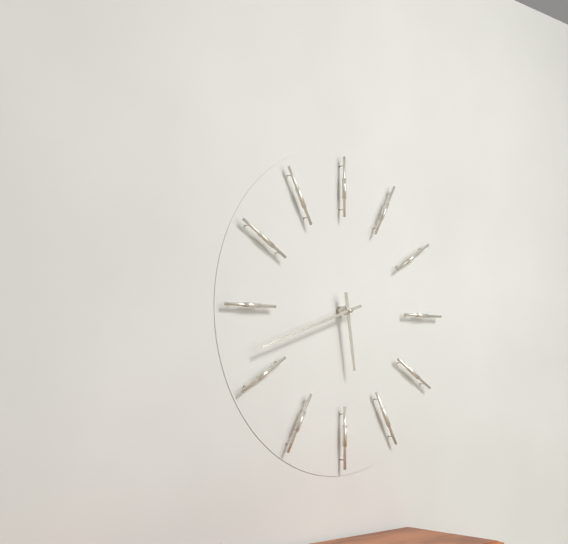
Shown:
h=5 m=42
